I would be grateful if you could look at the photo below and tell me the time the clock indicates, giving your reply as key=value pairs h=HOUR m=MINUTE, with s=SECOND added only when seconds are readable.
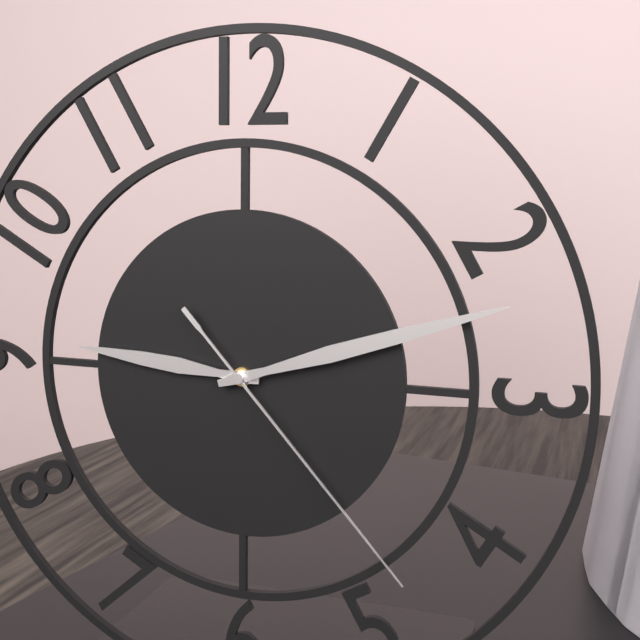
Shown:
h=9 m=12 s=23
